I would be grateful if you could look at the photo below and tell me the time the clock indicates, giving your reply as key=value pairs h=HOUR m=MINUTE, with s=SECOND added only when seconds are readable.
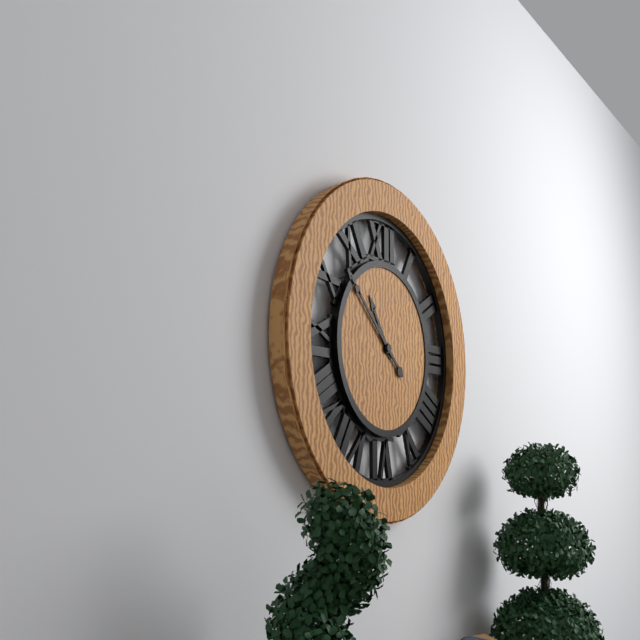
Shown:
h=10 m=52
